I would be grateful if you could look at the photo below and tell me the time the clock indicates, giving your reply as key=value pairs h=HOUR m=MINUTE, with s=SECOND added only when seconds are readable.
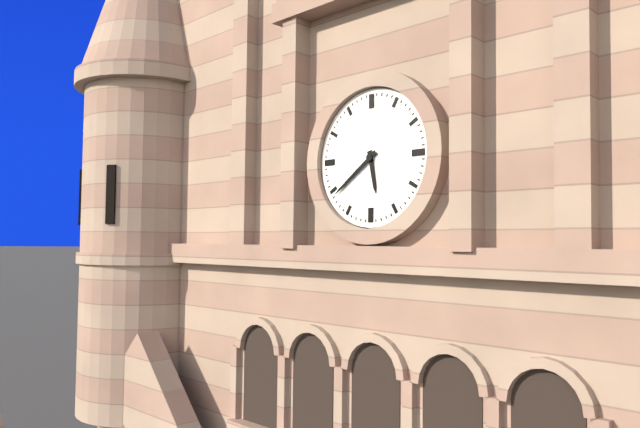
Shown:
h=5 m=39
